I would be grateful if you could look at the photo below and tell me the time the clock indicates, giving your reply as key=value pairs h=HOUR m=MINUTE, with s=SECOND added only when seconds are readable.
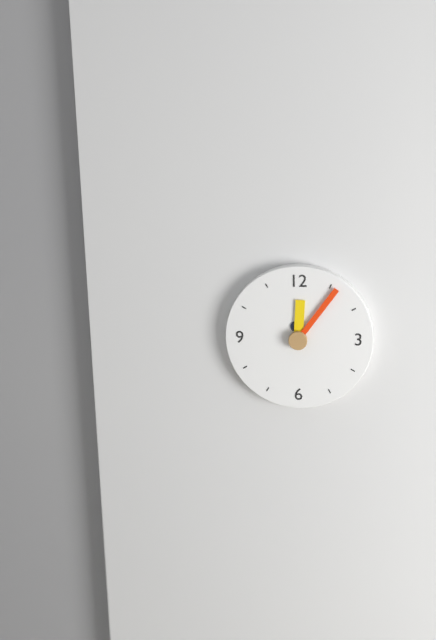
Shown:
h=12 m=6
